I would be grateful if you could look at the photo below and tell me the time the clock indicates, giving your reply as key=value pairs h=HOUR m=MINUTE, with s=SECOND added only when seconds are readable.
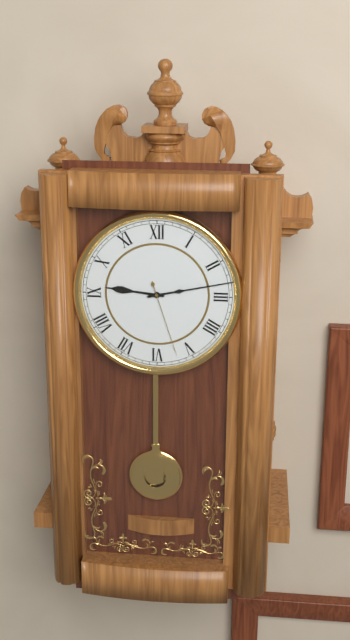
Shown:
h=9 m=13 s=27
